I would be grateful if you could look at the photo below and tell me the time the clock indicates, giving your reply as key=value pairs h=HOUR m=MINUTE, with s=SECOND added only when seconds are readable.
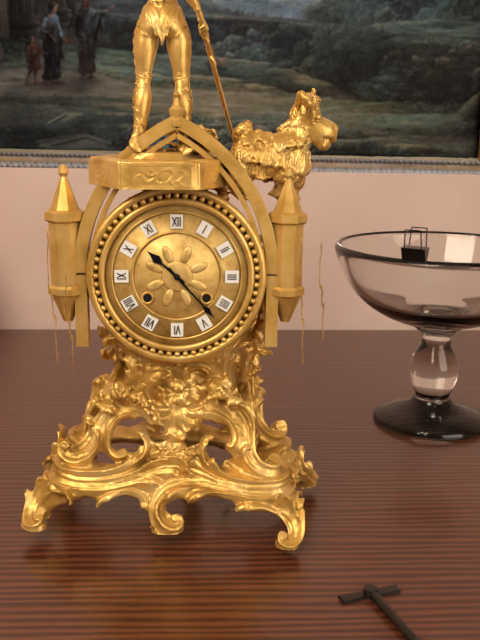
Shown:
h=10 m=23
